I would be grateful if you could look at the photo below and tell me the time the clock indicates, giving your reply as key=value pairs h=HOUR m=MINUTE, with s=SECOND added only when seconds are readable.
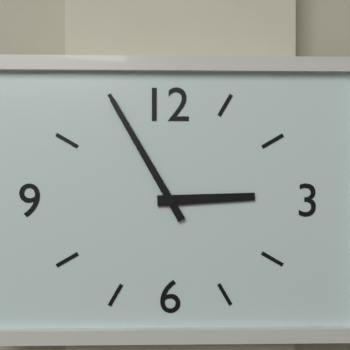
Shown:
h=2 m=55
